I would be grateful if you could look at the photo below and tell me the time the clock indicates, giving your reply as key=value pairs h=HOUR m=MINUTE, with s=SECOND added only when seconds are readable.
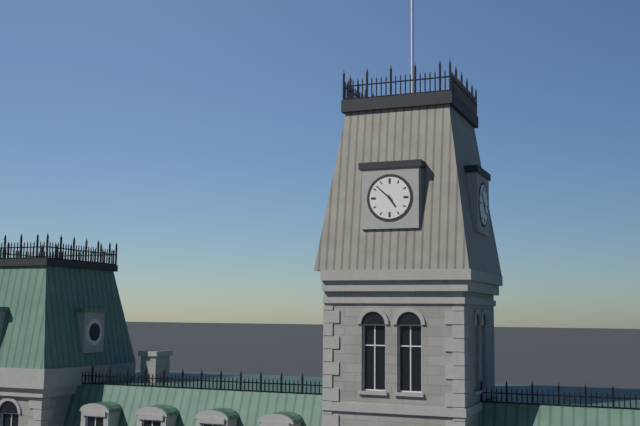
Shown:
h=4 m=52
